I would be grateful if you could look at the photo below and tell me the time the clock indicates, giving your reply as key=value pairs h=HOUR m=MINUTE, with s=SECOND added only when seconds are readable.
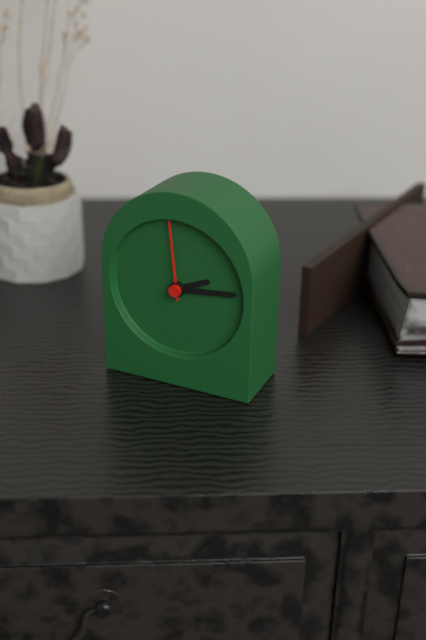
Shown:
h=2 m=14 s=59
